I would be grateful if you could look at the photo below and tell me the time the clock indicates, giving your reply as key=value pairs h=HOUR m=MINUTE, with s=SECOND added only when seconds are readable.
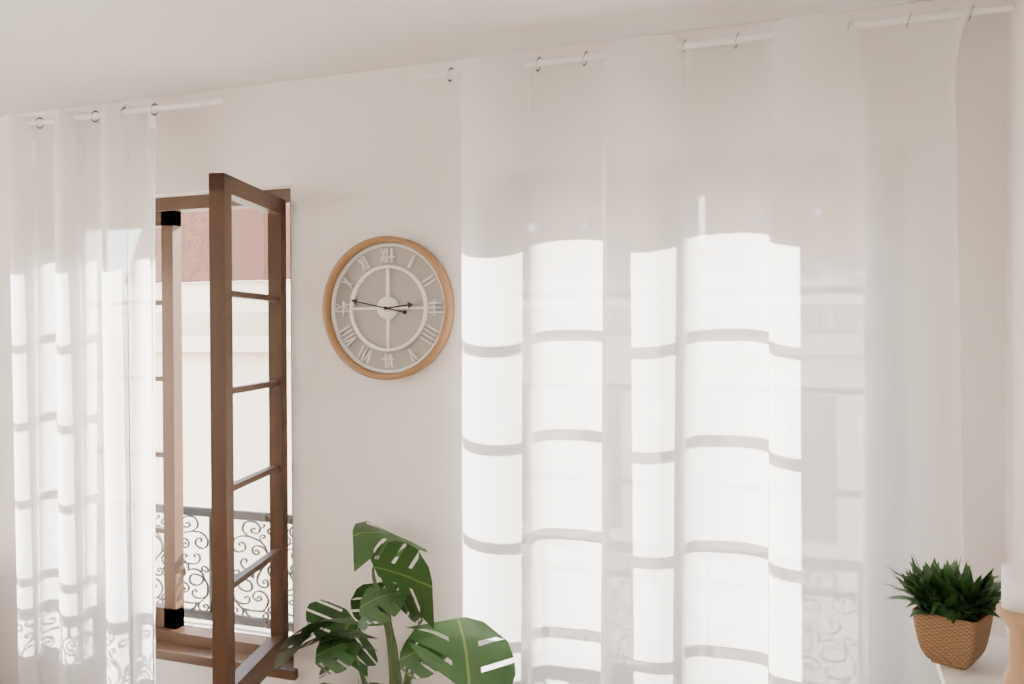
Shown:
h=2 m=47
